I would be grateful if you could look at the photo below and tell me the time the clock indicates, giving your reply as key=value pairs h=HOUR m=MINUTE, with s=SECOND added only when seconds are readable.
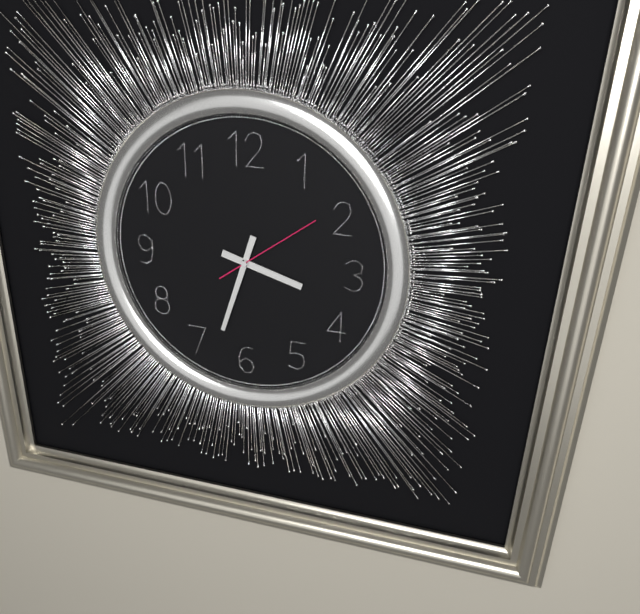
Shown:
h=3 m=33 s=9
